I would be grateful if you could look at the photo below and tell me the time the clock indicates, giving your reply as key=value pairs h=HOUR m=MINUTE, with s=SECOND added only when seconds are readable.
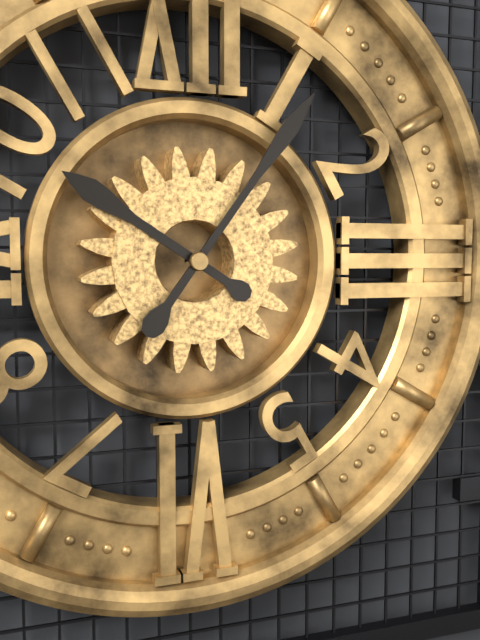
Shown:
h=10 m=6
